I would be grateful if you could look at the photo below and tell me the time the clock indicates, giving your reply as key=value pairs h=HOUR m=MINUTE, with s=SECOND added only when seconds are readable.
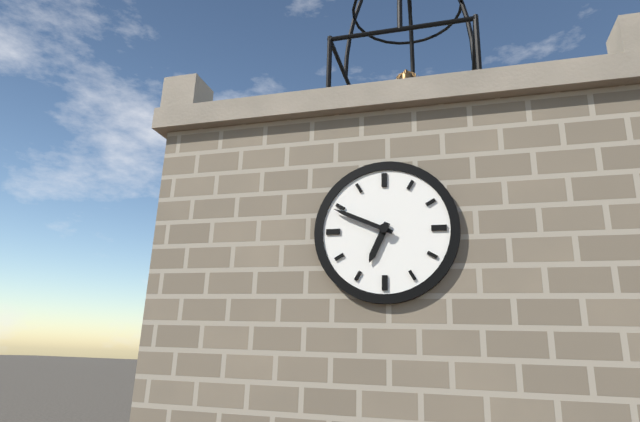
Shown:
h=6 m=49
